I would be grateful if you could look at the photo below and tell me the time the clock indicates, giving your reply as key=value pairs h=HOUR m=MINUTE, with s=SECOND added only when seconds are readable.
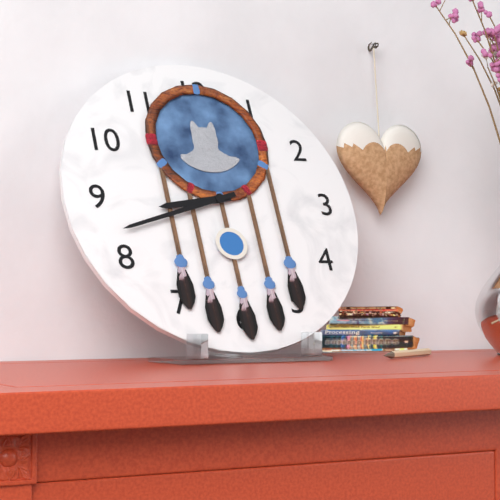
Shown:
h=8 m=42
